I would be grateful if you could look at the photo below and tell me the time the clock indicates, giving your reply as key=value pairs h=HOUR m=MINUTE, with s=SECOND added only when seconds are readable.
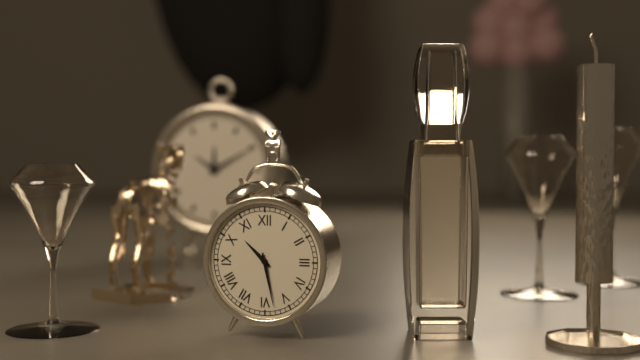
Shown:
h=10 m=28
